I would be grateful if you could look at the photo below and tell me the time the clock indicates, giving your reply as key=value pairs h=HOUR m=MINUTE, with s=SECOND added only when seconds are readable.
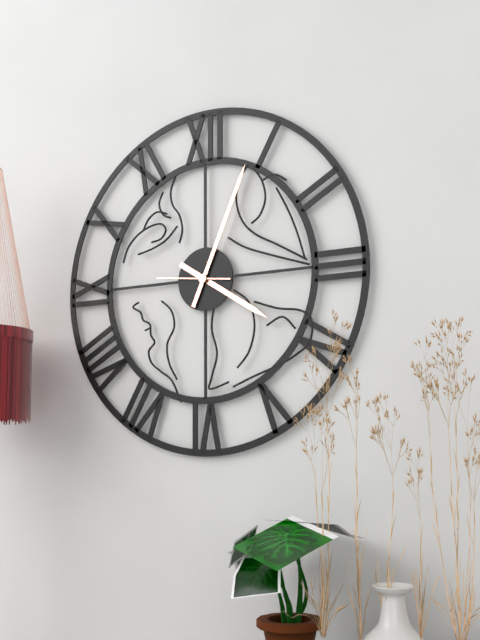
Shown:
h=4 m=4 s=46
